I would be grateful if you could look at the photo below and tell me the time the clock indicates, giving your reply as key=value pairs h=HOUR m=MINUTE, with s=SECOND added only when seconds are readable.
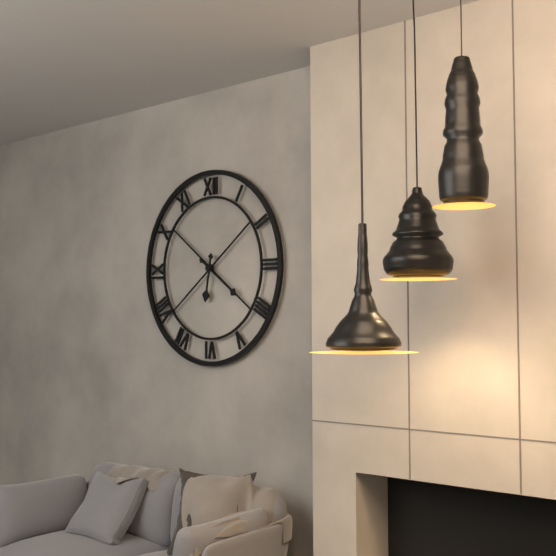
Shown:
h=6 m=21
